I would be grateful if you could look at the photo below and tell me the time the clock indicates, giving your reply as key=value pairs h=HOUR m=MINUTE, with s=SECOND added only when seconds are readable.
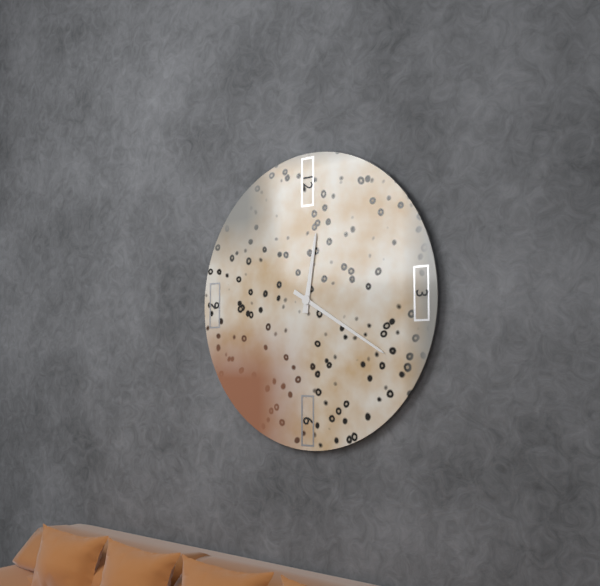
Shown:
h=12 m=20
